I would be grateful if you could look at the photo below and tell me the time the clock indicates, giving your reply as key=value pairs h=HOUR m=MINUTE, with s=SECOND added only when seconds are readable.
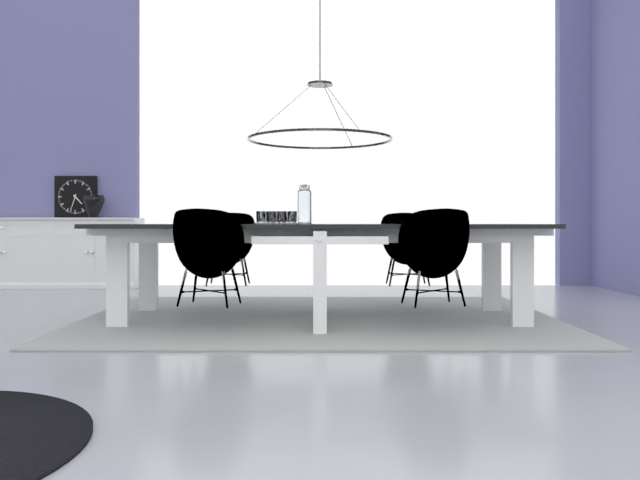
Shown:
h=4 m=33
